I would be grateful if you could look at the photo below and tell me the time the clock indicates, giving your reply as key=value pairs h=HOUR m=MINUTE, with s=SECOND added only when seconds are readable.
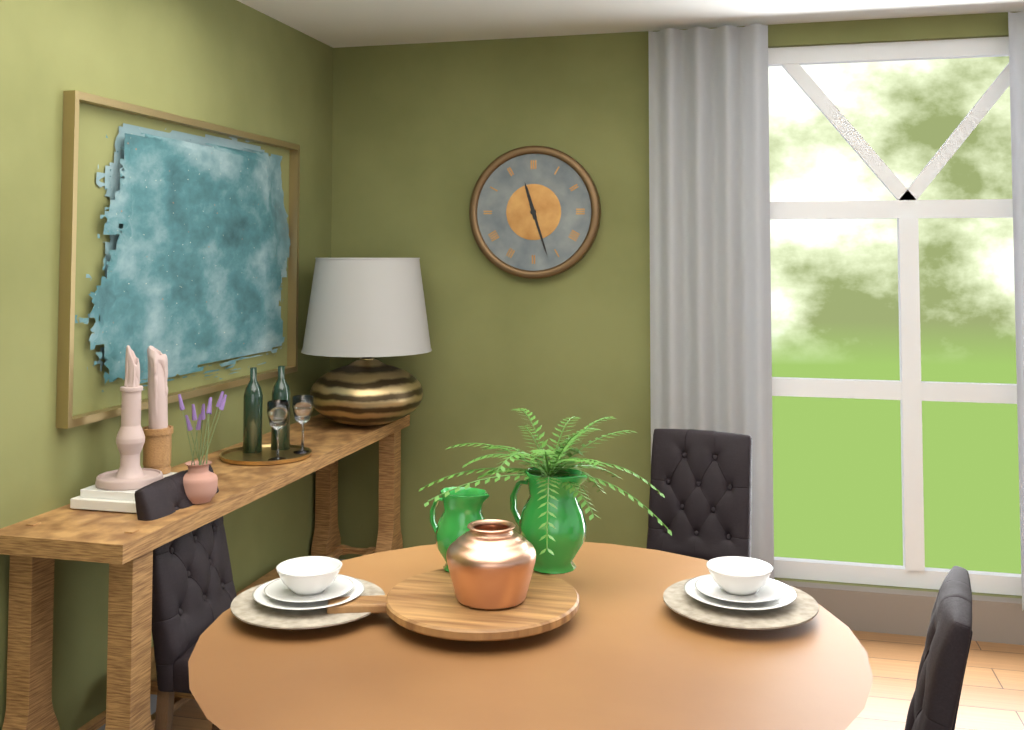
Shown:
h=11 m=27
